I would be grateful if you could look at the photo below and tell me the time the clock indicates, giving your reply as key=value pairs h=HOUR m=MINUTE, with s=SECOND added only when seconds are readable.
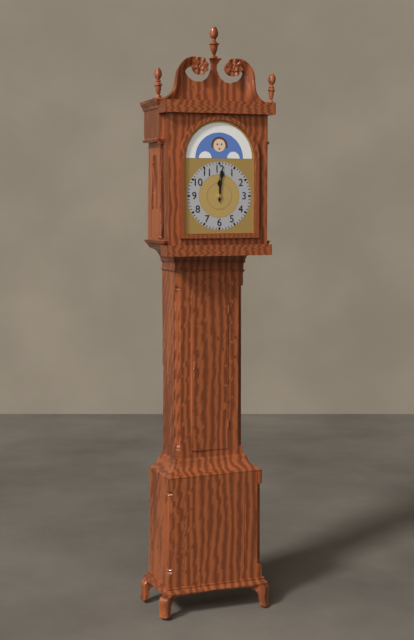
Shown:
h=12 m=1
